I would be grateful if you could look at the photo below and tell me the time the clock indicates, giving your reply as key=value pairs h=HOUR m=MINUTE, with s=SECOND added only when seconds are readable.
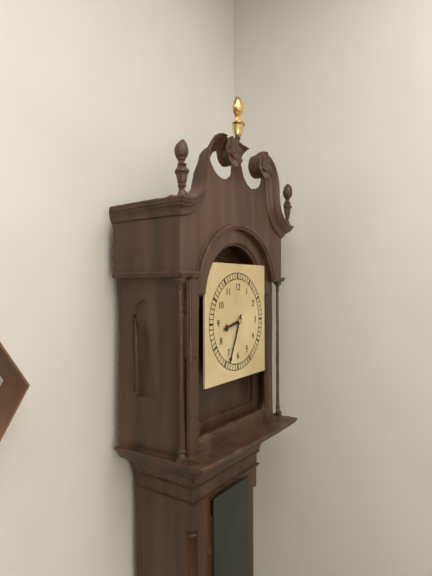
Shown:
h=8 m=34
